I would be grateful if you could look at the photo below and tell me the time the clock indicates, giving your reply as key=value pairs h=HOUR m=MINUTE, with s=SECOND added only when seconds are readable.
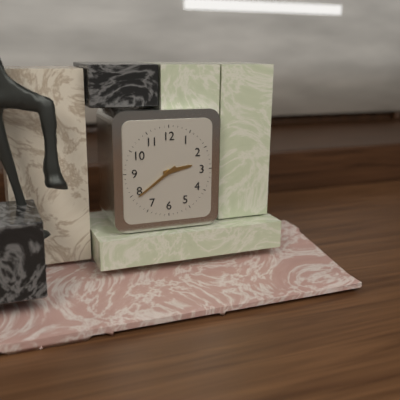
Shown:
h=2 m=39
